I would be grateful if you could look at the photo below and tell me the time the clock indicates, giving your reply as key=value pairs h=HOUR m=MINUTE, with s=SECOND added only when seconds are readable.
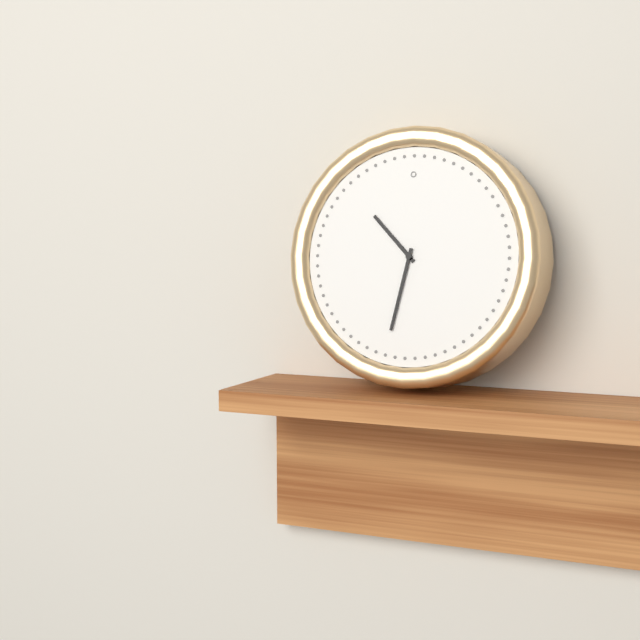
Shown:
h=10 m=32
